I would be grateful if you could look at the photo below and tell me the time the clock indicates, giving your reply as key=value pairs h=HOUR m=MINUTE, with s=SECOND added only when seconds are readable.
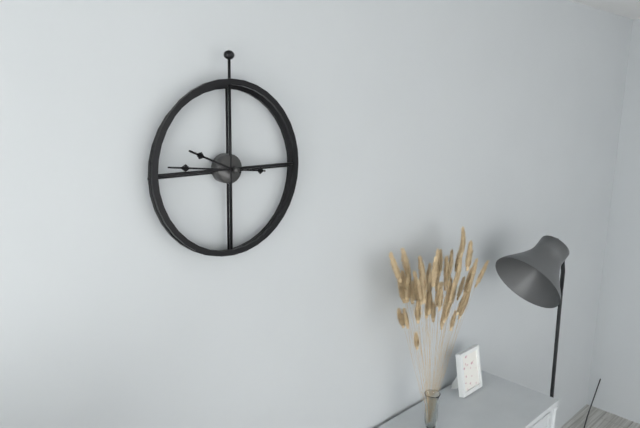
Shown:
h=9 m=46
